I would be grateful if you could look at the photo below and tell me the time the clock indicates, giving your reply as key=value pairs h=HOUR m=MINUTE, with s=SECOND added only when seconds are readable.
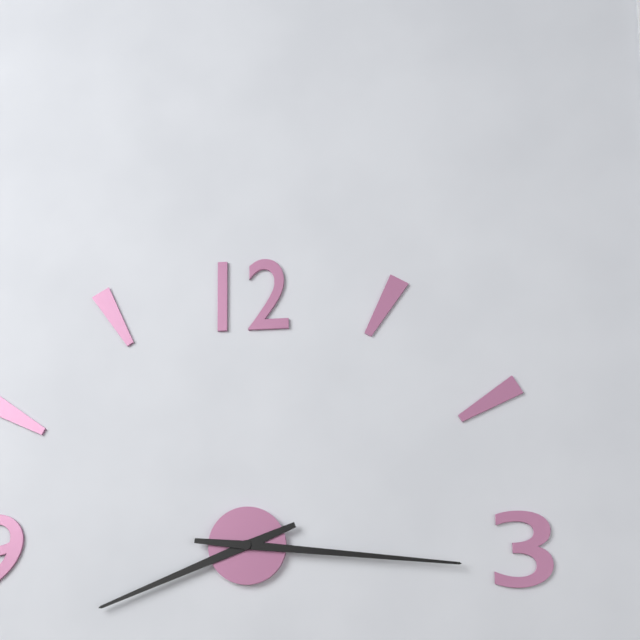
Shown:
h=8 m=16
